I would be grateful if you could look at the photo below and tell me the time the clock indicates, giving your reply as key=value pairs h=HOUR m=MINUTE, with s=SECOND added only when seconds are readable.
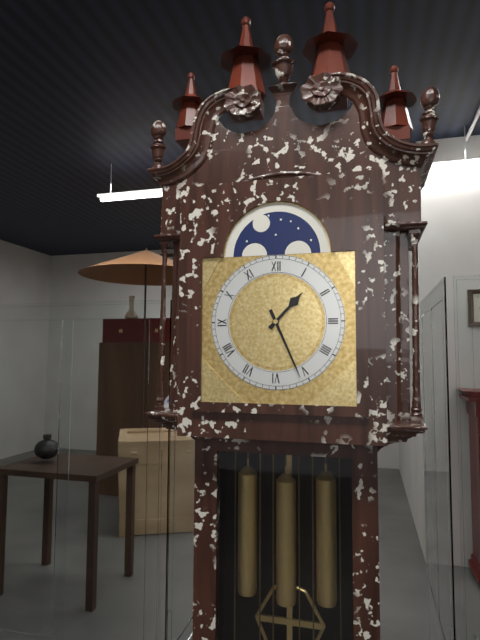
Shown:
h=1 m=26
